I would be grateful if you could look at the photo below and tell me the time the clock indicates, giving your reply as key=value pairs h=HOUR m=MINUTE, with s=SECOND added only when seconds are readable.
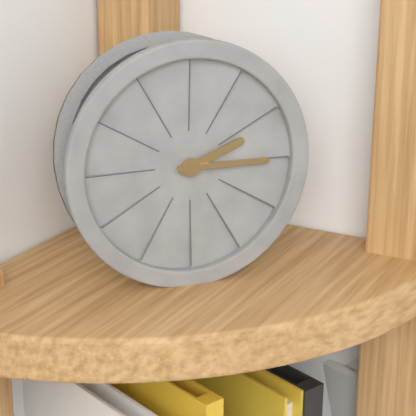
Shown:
h=2 m=15
